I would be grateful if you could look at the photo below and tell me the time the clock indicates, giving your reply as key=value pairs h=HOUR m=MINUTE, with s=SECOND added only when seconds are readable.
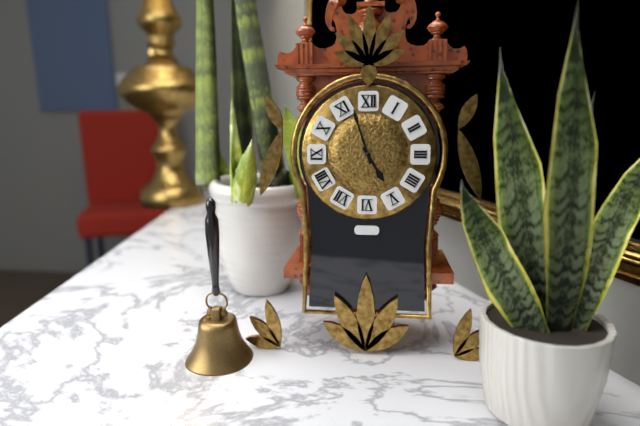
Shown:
h=4 m=57
